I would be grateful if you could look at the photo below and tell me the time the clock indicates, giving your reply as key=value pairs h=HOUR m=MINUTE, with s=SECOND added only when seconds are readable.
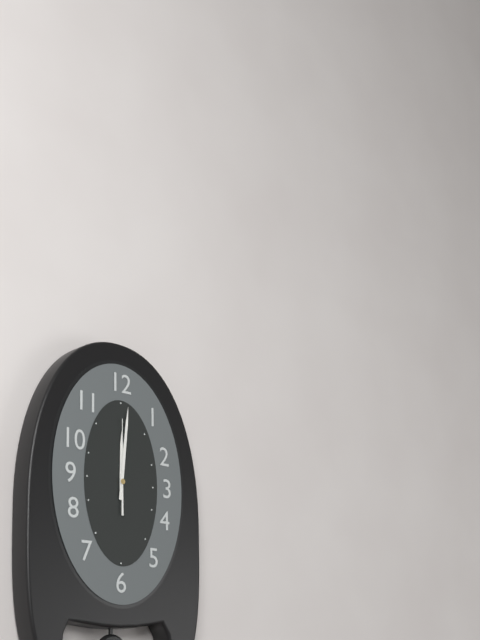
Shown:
h=12 m=1 s=0
